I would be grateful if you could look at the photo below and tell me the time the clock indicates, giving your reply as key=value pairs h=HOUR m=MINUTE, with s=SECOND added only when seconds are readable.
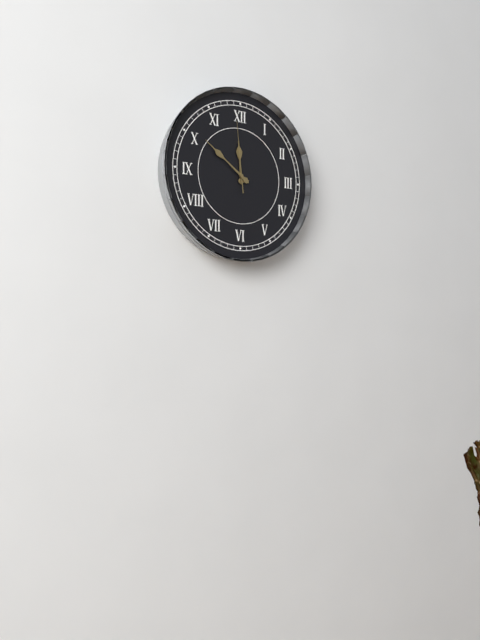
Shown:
h=11 m=51 s=59
